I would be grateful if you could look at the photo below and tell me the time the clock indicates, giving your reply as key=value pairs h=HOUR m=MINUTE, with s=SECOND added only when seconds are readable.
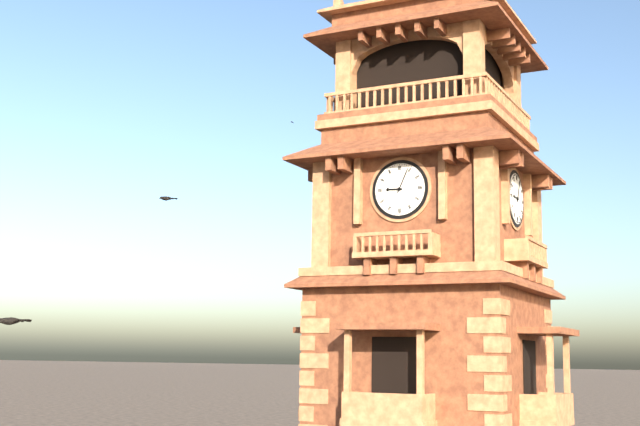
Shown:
h=9 m=4
